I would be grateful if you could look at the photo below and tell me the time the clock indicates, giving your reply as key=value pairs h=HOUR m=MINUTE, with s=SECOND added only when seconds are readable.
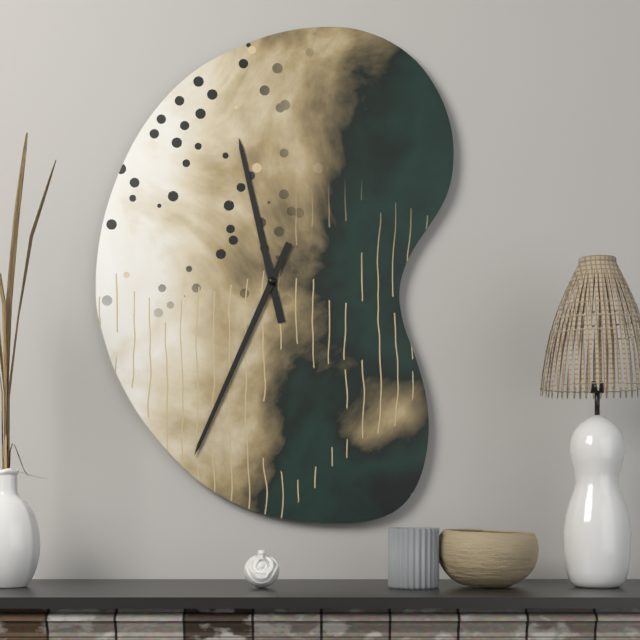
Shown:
h=11 m=34
